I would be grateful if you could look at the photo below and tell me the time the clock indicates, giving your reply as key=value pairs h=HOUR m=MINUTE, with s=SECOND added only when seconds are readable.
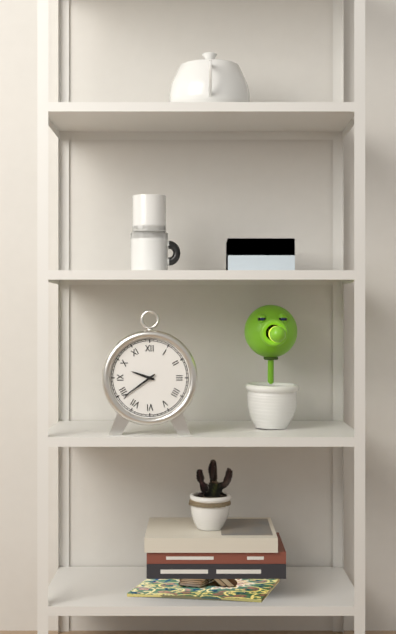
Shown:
h=9 m=39
